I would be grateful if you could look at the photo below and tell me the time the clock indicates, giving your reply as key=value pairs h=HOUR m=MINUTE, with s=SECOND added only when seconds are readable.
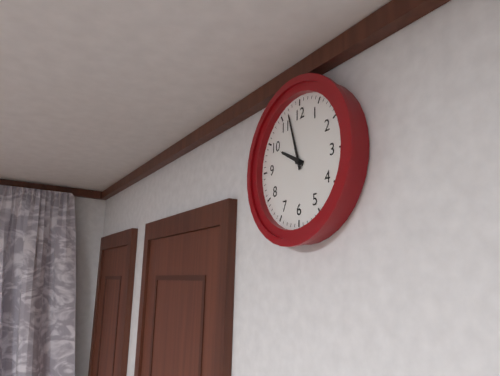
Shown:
h=9 m=57
